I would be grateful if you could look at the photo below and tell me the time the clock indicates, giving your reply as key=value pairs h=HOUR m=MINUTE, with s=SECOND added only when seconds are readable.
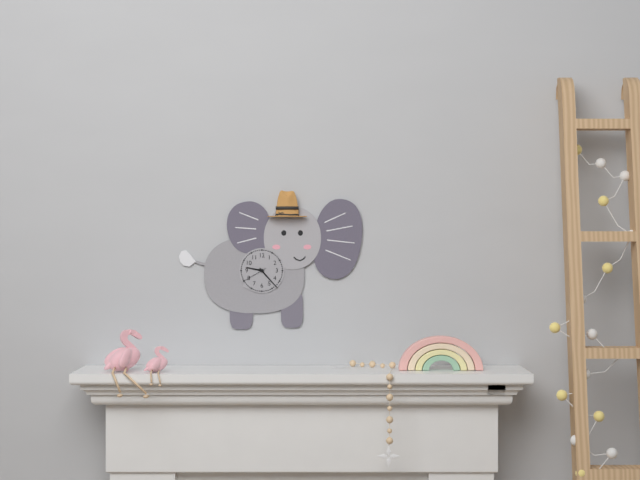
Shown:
h=9 m=23
